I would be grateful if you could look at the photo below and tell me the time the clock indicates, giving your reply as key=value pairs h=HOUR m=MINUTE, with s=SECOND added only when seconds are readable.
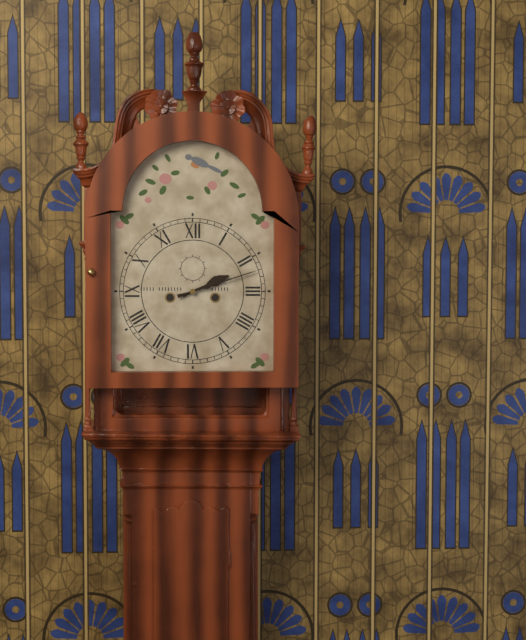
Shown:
h=2 m=12
